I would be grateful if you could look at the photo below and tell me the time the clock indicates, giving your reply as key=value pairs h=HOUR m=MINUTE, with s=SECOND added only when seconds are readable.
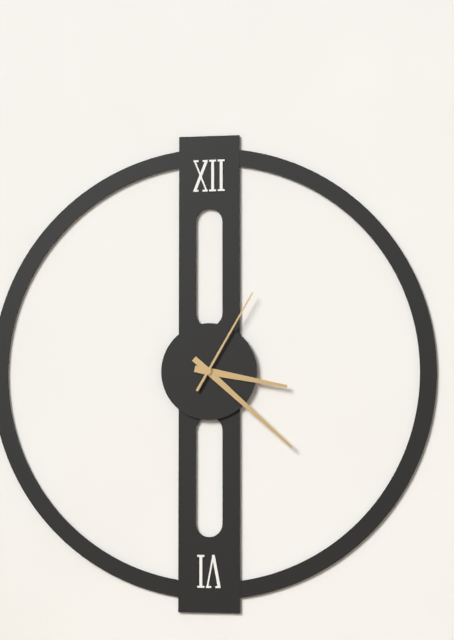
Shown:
h=3 m=22 s=5
